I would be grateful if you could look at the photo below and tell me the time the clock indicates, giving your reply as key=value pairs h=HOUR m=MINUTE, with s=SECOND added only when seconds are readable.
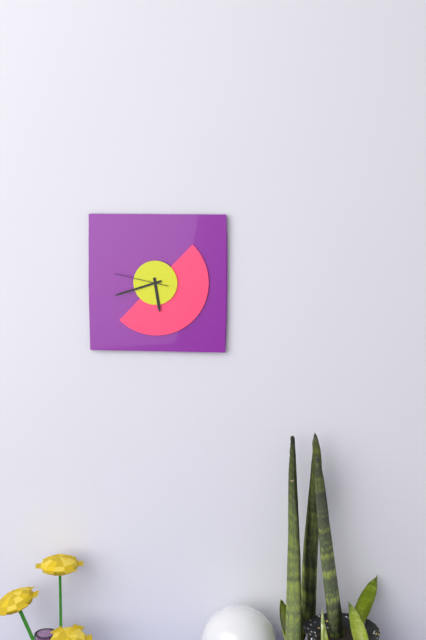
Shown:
h=5 m=42 s=47
